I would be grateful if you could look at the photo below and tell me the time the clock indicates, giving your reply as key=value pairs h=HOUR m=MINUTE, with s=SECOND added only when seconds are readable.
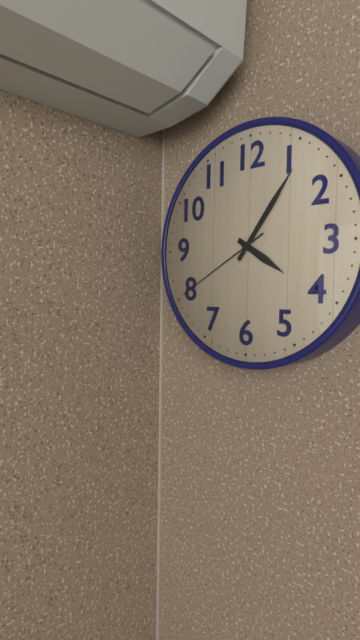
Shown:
h=4 m=6 s=40
